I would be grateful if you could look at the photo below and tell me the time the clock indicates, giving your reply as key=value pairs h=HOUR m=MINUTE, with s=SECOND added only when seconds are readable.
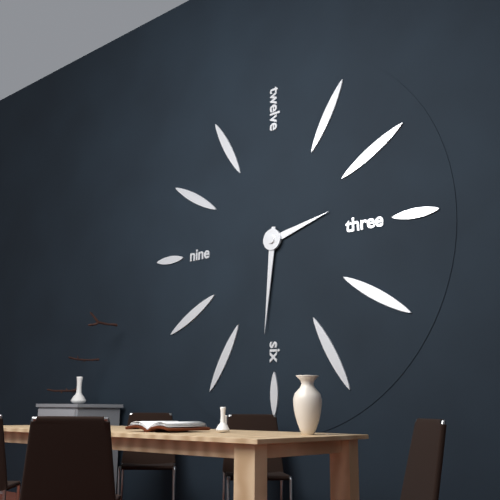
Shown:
h=2 m=31
